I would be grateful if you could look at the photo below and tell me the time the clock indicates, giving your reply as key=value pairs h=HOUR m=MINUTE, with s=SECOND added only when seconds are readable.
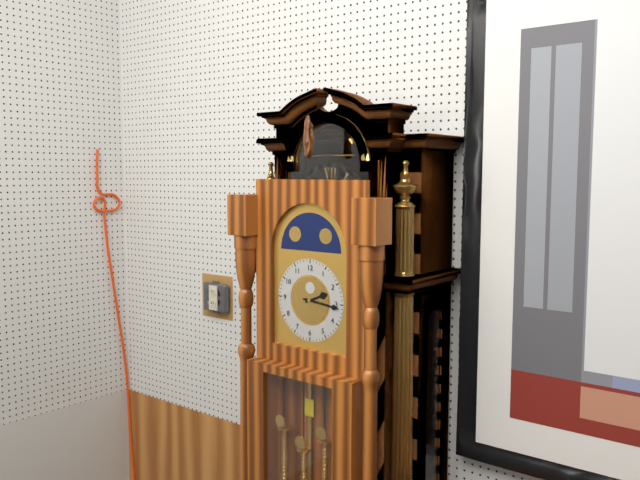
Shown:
h=2 m=16
